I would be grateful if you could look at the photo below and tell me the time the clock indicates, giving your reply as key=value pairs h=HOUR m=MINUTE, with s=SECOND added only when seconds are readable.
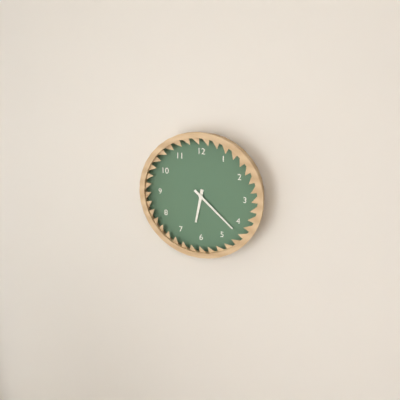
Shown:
h=6 m=22
